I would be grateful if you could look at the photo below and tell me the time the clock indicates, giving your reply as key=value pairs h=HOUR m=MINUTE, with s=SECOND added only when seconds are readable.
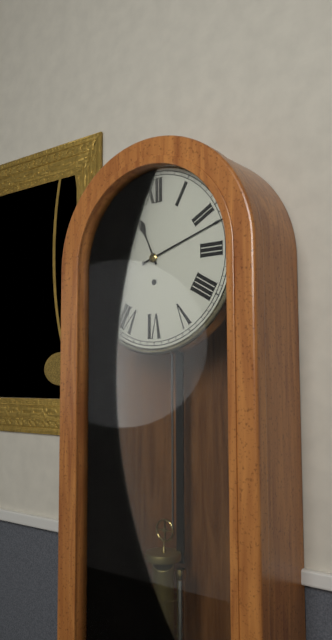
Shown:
h=11 m=12
